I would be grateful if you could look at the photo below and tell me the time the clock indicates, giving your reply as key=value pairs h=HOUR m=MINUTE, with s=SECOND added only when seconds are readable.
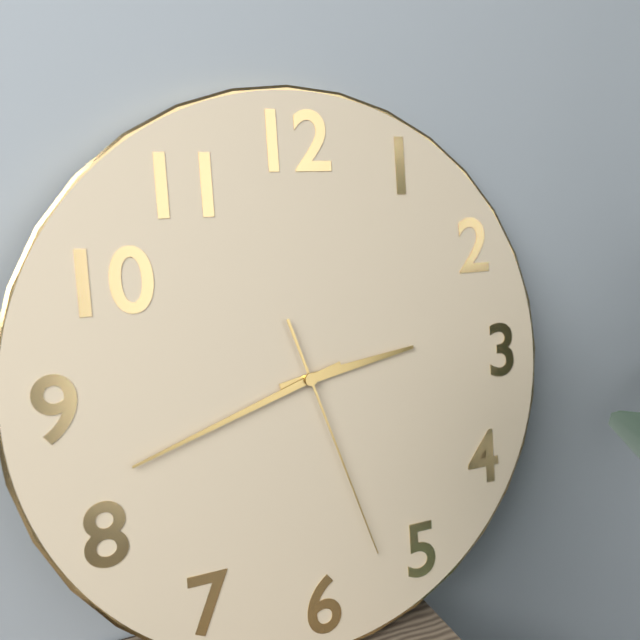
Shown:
h=2 m=42 s=27
